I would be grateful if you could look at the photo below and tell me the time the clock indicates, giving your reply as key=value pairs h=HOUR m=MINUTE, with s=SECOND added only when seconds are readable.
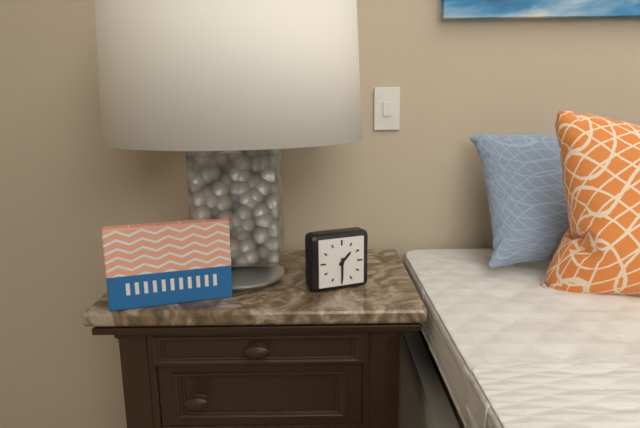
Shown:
h=1 m=30
